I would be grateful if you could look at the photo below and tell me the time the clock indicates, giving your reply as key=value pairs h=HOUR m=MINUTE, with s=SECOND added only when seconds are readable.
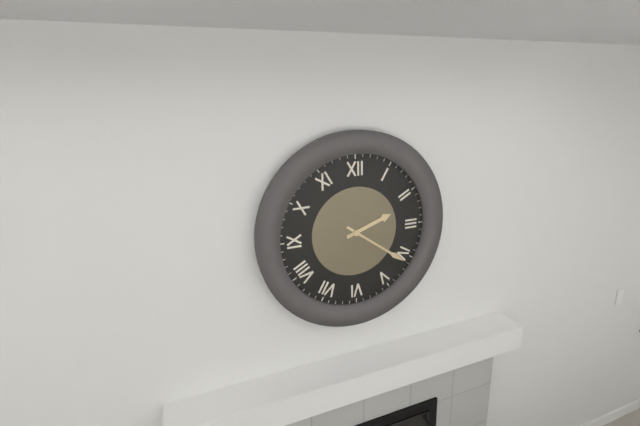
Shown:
h=2 m=21
